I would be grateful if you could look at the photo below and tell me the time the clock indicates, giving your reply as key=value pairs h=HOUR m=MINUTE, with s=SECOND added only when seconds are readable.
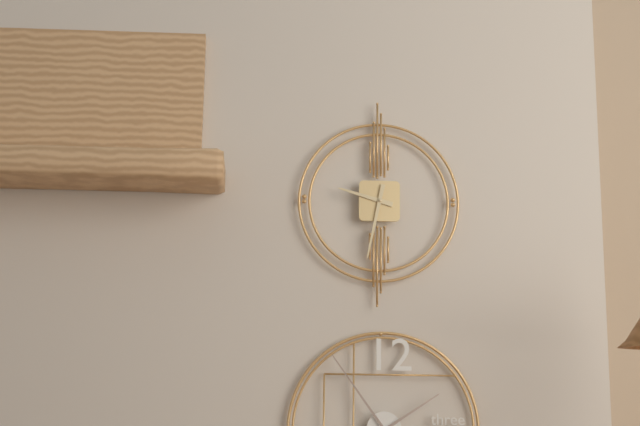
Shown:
h=9 m=32
